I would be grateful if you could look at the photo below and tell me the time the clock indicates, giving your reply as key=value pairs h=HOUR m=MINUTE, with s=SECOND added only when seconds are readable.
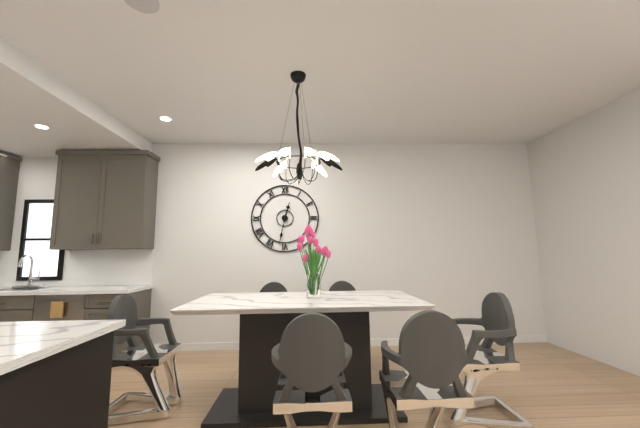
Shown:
h=12 m=32
